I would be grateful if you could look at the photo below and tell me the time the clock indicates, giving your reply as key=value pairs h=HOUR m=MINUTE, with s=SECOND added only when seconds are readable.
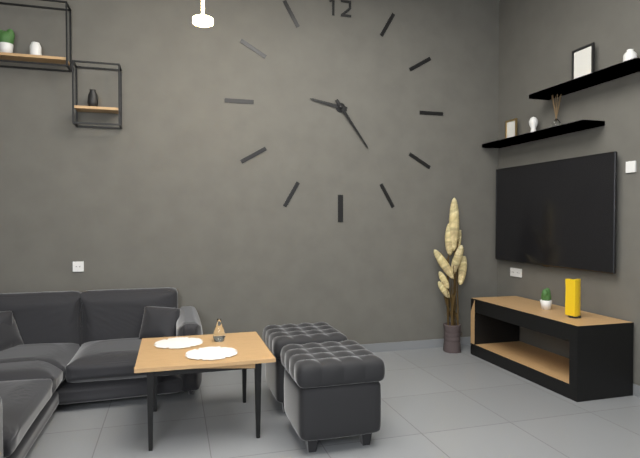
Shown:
h=9 m=24
